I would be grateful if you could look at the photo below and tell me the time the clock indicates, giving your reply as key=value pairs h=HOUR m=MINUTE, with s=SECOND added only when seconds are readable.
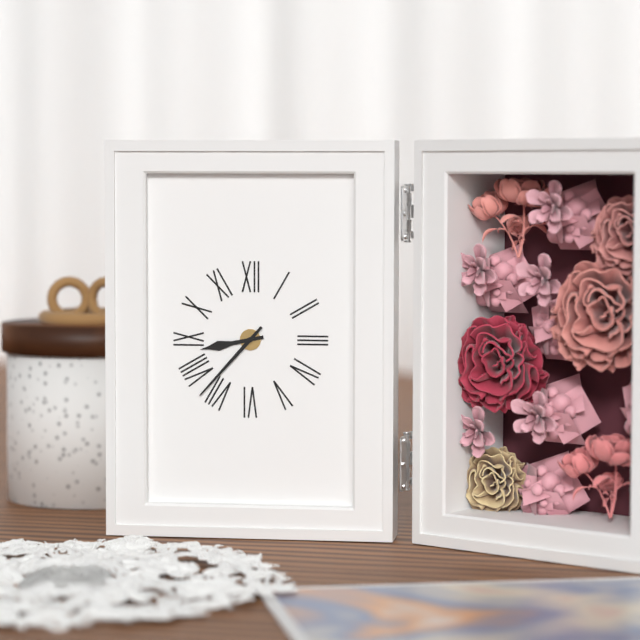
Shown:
h=8 m=37
